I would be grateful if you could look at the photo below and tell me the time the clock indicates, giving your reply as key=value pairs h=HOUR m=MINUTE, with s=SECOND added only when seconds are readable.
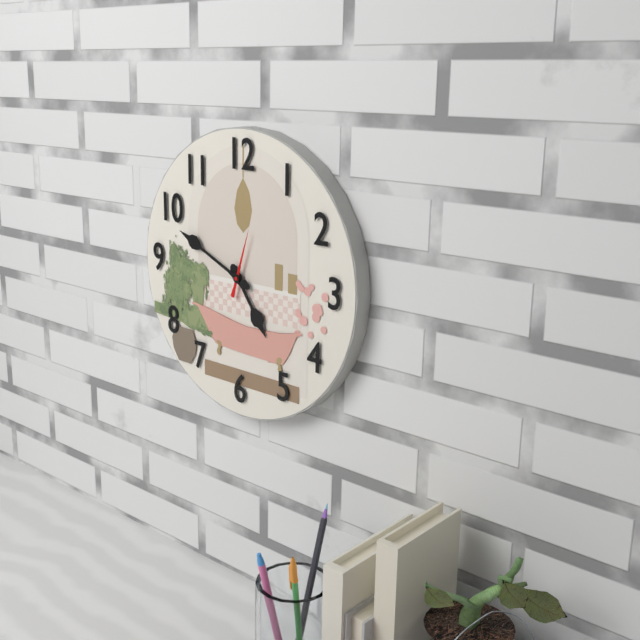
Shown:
h=4 m=49 s=3
